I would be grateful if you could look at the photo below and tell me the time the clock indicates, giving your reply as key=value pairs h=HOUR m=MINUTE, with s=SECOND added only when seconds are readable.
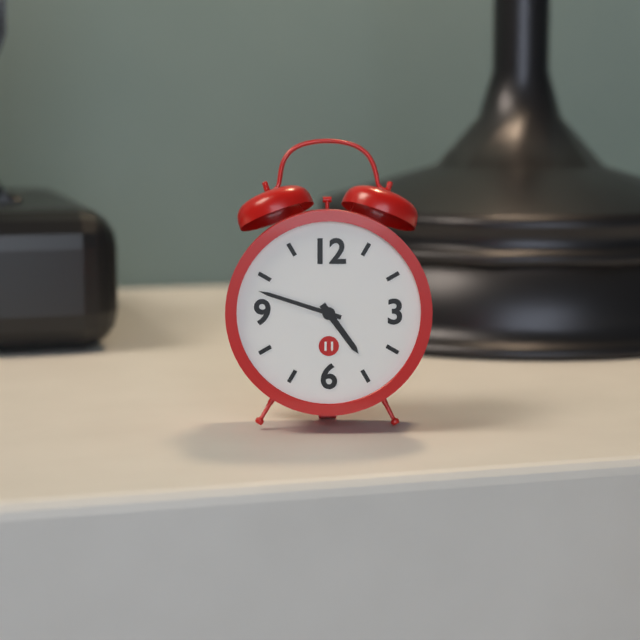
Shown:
h=4 m=48
